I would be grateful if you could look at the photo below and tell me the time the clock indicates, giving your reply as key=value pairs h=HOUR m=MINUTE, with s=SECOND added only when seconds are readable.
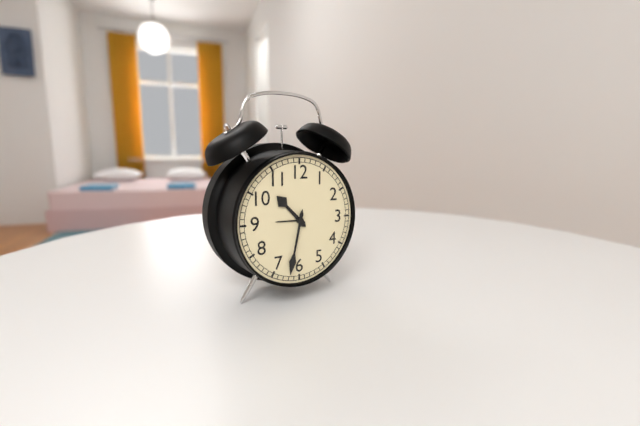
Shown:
h=10 m=32
